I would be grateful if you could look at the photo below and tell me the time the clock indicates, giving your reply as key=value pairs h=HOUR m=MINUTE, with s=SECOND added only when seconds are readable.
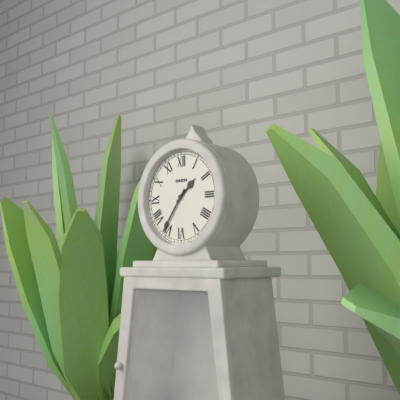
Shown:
h=1 m=36
